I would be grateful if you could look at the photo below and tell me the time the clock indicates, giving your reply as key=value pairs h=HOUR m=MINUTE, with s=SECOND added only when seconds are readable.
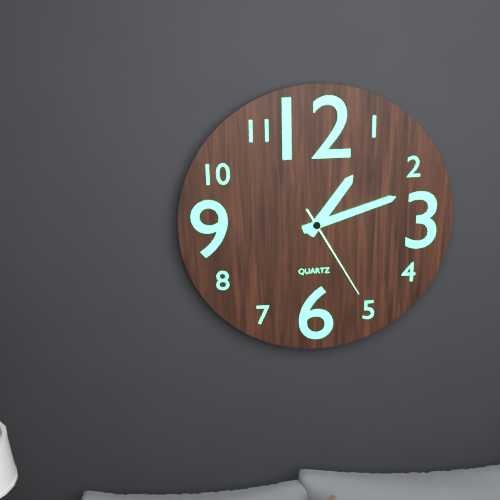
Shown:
h=1 m=12 s=25
